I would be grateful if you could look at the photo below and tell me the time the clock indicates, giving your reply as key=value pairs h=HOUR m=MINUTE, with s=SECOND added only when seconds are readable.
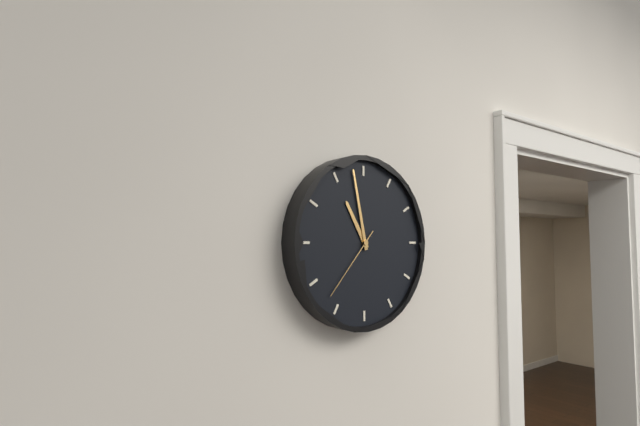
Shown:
h=10 m=58 s=37
